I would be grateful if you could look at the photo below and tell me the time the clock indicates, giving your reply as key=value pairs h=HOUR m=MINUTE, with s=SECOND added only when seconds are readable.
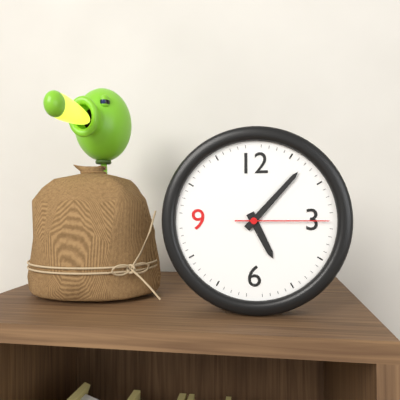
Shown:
h=5 m=7 s=15
